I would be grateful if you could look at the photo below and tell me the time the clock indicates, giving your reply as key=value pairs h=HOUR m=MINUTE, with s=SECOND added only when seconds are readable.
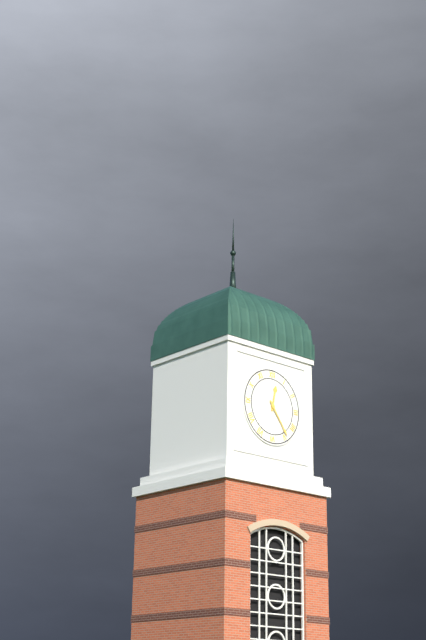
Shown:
h=12 m=24
